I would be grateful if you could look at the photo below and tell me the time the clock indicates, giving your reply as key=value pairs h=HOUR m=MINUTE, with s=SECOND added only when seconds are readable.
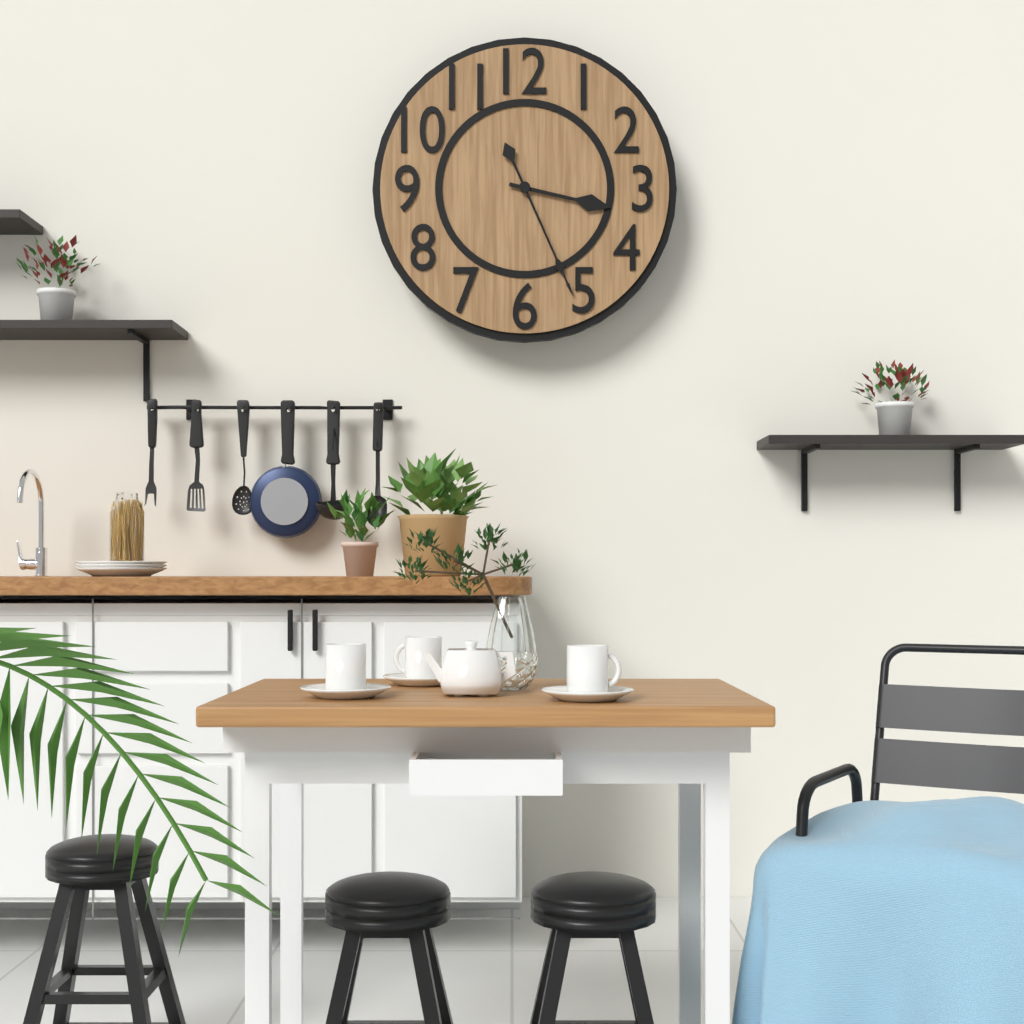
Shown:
h=3 m=26
